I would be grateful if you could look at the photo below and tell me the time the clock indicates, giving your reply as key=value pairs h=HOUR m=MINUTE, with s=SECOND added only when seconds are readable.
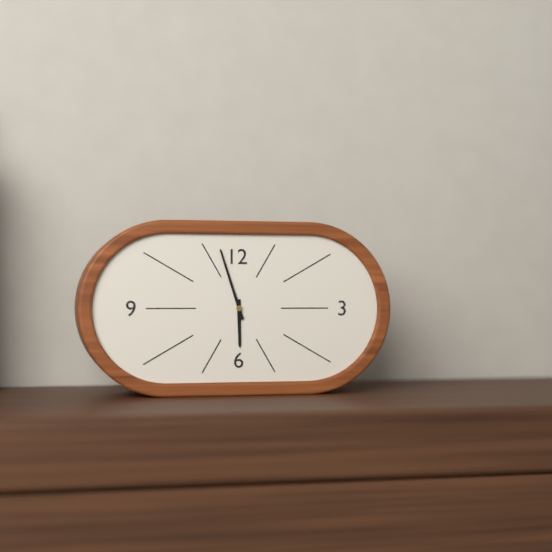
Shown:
h=5 m=57
